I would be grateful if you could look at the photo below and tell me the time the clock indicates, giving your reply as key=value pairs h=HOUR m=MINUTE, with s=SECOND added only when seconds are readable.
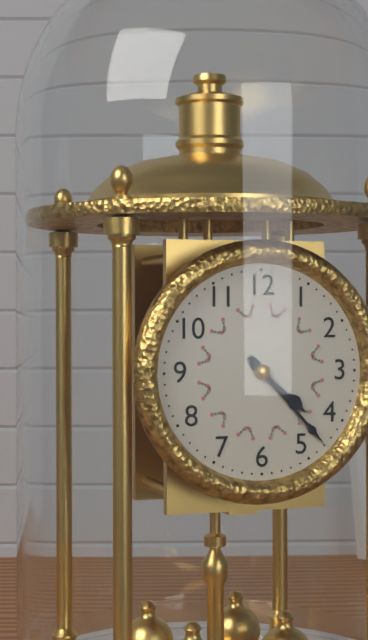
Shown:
h=4 m=23
